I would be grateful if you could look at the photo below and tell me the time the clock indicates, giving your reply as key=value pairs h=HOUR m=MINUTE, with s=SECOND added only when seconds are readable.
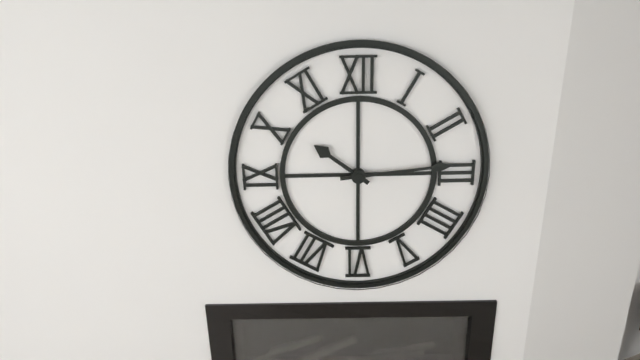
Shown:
h=10 m=14
